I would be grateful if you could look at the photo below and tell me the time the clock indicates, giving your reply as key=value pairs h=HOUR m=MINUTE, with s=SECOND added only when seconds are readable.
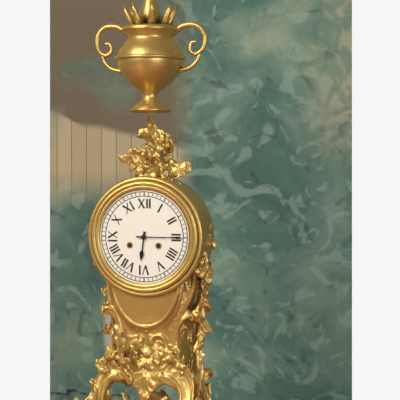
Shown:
h=6 m=15
